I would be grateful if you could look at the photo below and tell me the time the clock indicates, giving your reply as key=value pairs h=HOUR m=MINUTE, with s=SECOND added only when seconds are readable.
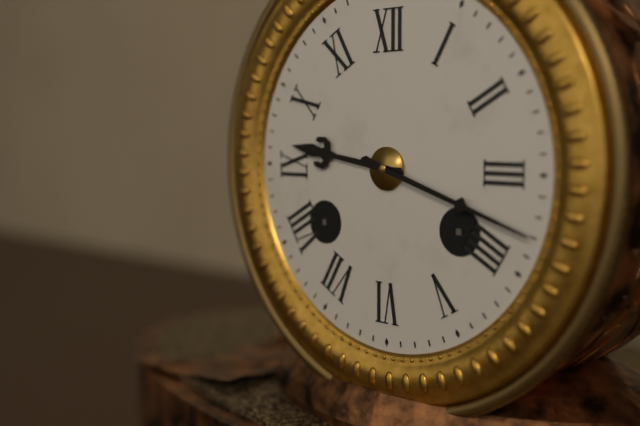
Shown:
h=9 m=18
